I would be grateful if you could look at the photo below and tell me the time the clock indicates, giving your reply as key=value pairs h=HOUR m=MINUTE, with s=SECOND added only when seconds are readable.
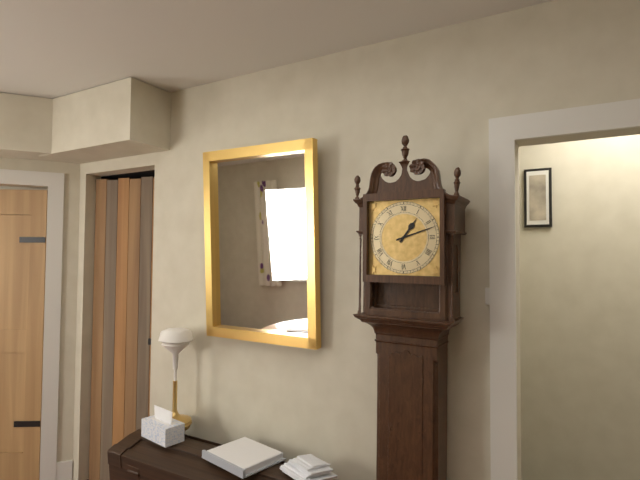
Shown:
h=1 m=12
